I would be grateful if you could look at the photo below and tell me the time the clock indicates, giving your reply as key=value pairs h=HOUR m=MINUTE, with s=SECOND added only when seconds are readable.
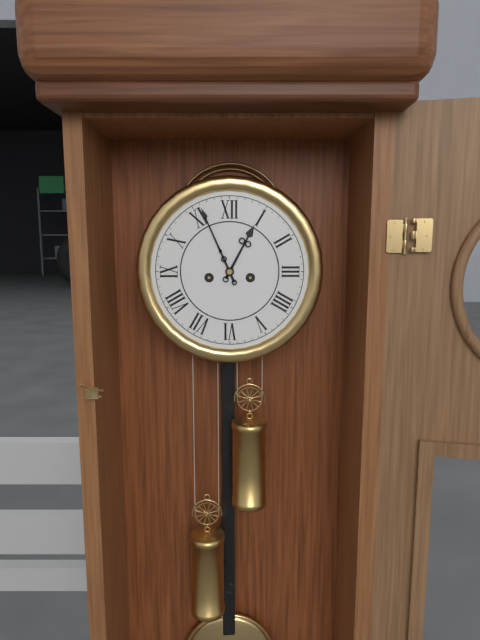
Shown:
h=12 m=56
